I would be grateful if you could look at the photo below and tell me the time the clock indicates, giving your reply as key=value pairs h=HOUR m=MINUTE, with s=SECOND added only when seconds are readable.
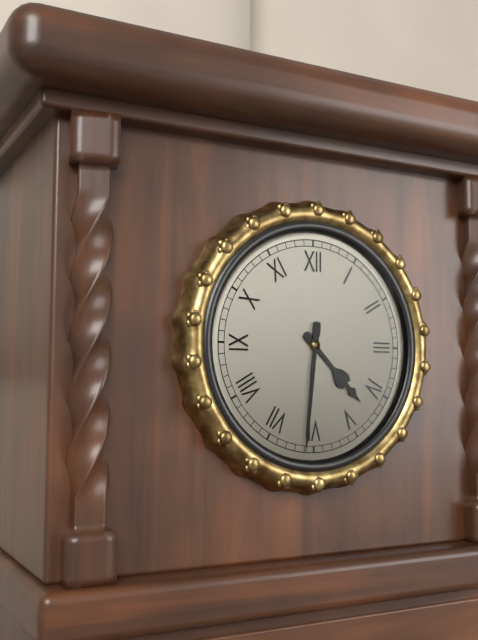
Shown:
h=4 m=31
